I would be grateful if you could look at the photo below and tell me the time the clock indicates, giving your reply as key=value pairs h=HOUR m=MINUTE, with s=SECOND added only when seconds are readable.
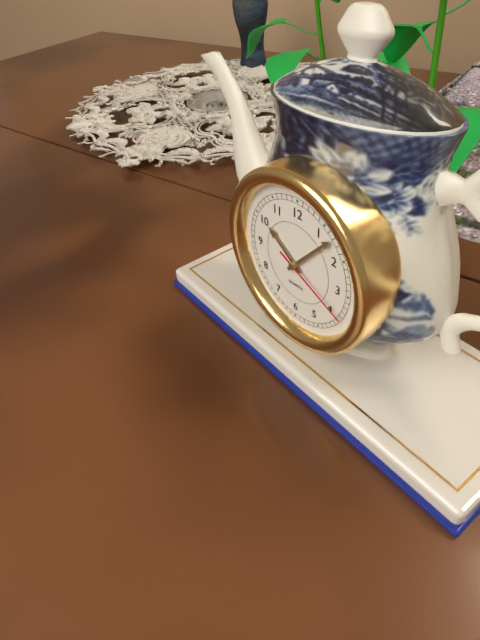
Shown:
h=10 m=7 s=19
